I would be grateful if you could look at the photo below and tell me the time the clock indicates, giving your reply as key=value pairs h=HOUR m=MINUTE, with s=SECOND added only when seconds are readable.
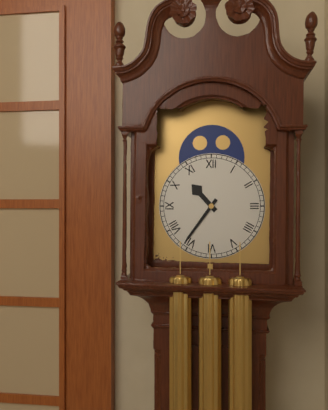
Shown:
h=10 m=36
